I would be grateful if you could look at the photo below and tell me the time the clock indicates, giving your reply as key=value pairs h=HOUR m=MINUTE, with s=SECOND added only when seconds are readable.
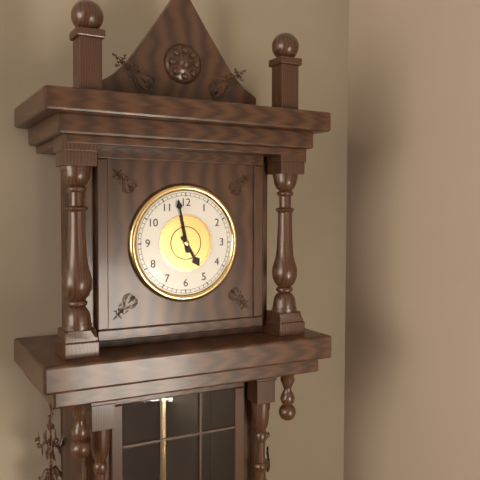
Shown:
h=4 m=58
